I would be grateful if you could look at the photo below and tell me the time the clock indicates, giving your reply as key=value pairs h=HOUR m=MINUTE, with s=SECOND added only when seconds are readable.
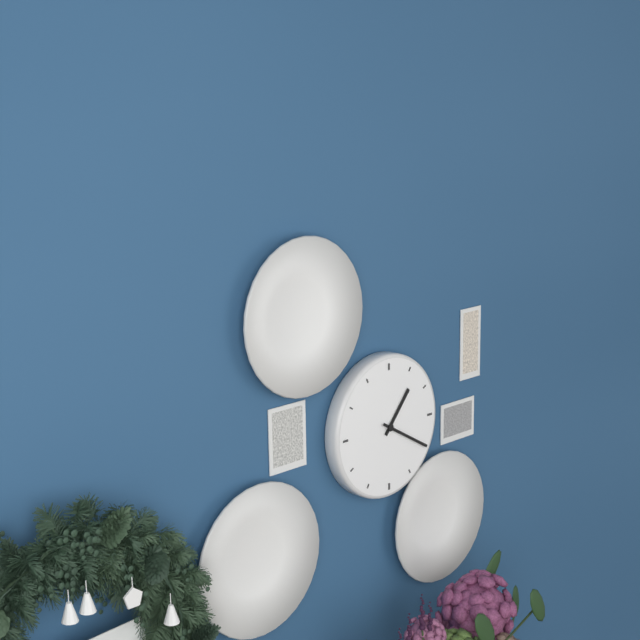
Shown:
h=1 m=20
